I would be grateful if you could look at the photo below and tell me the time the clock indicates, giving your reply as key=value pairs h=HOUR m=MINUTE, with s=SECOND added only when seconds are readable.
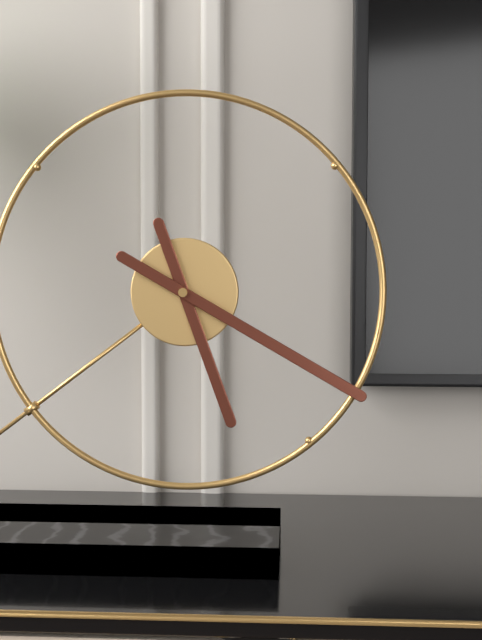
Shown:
h=5 m=20
